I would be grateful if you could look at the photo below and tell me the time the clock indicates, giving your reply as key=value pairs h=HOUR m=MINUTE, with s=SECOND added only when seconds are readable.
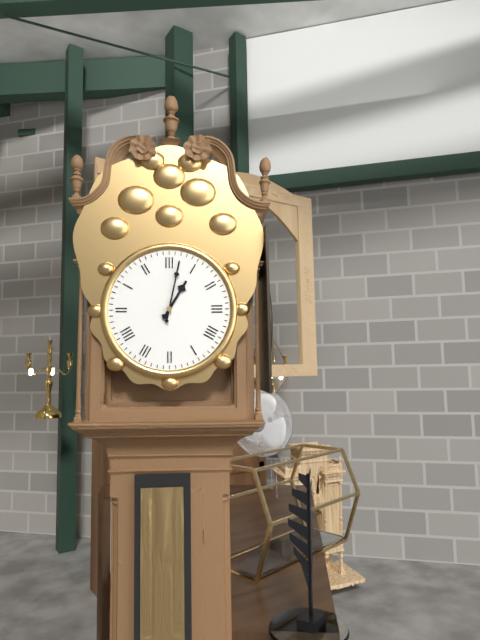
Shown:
h=1 m=2
